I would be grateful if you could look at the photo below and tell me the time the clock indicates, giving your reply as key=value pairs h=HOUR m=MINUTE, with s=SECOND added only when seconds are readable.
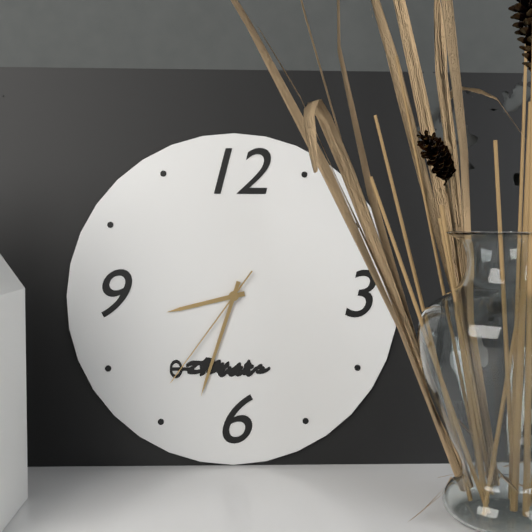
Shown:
h=8 m=33 s=36
